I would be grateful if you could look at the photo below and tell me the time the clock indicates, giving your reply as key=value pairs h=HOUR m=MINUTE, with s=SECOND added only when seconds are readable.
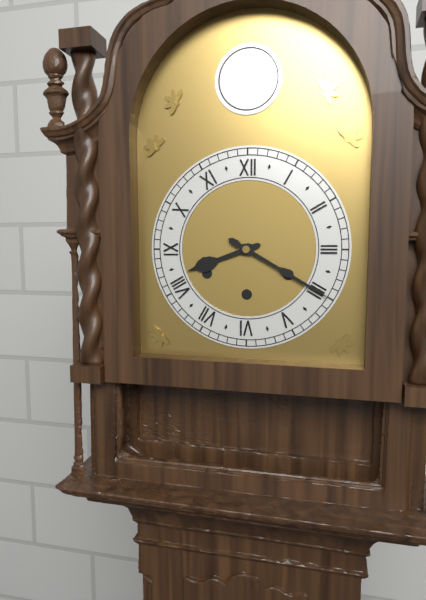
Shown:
h=8 m=20
